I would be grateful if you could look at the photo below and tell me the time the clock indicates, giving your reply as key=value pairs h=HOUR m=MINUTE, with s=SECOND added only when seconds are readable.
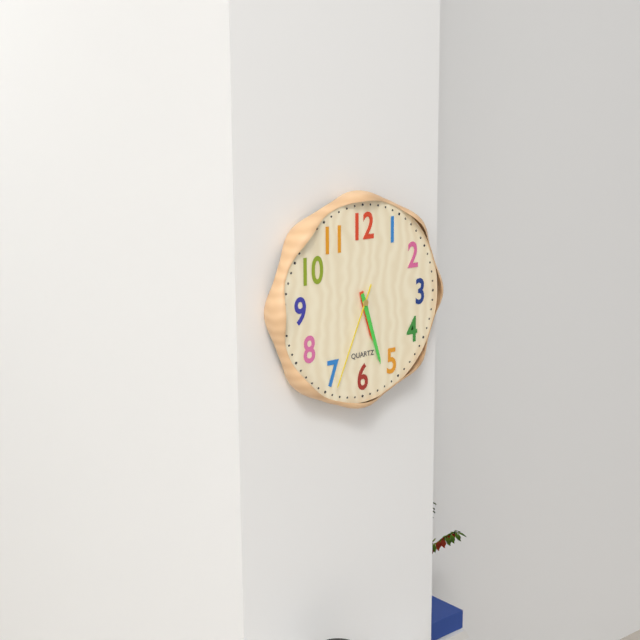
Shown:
h=5 m=27 s=34
